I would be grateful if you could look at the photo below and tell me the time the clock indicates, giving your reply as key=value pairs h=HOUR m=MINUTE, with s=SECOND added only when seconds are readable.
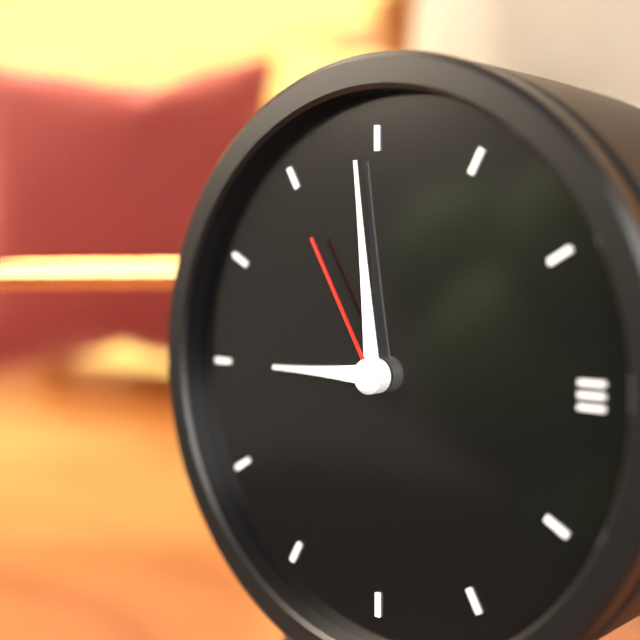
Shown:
h=8 m=59 s=55
